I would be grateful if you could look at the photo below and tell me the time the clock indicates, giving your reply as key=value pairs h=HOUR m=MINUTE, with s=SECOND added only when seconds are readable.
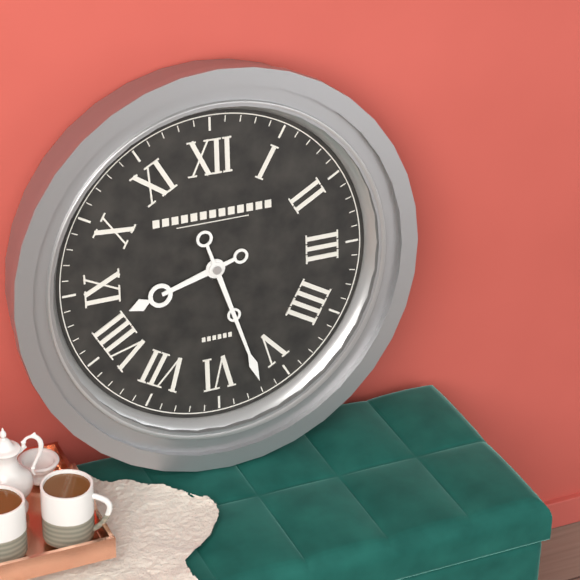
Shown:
h=8 m=27
